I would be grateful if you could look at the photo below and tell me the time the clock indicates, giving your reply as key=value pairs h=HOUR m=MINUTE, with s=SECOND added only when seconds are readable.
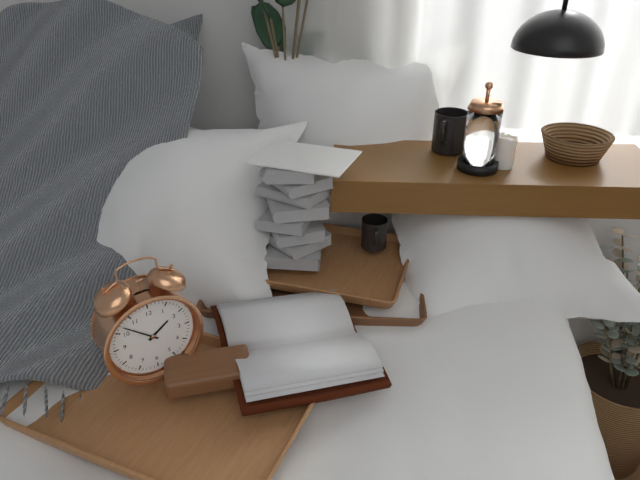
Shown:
h=1 m=52
